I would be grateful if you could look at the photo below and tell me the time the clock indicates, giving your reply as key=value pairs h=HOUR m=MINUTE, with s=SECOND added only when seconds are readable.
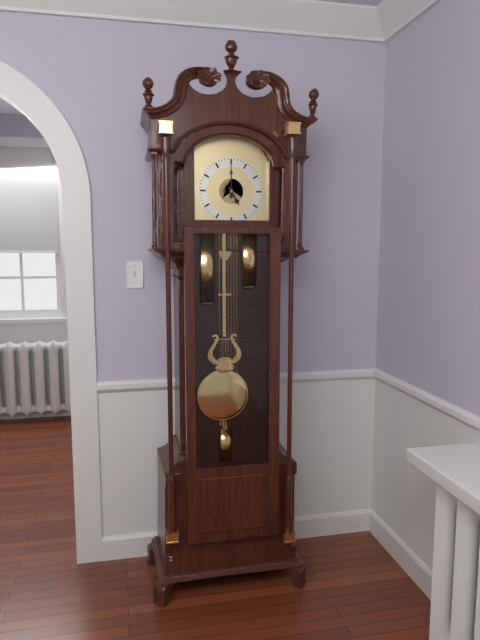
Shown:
h=5 m=0
